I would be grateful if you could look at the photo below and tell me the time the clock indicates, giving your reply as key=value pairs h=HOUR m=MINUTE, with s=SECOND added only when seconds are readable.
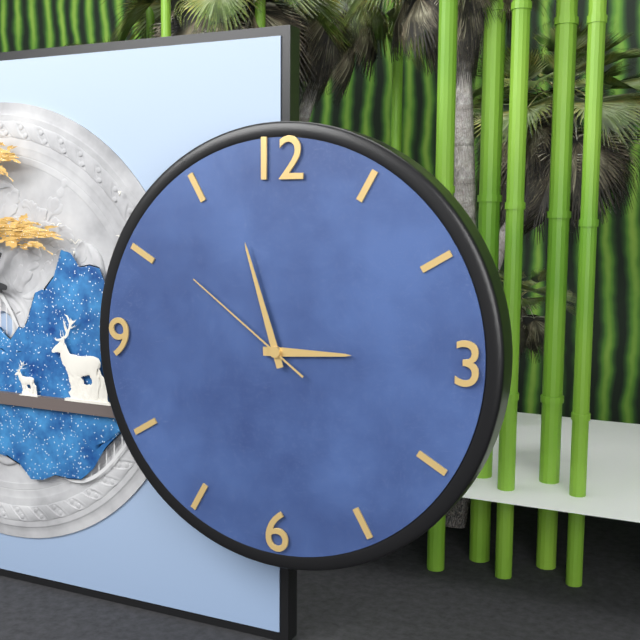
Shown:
h=2 m=57 s=51
